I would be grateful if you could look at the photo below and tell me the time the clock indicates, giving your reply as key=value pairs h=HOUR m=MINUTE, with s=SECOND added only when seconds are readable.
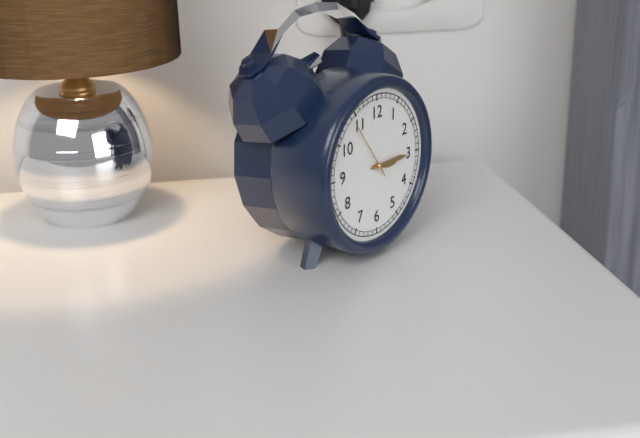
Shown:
h=3 m=15 s=54
